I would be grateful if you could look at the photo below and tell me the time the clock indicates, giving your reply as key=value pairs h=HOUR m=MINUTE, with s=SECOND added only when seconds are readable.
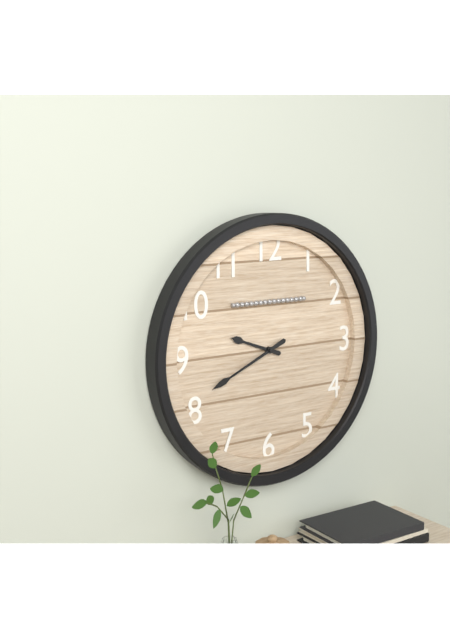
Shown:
h=9 m=41
